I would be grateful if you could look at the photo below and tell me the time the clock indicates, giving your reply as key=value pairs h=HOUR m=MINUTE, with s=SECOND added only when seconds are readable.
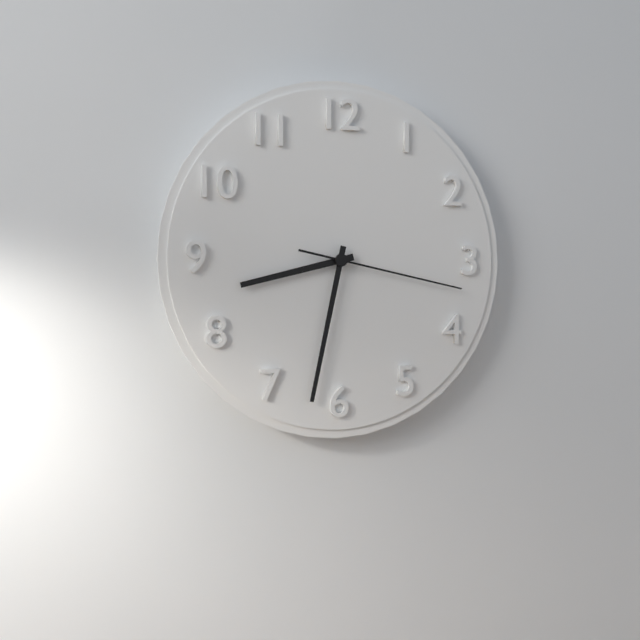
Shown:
h=8 m=32 s=17
